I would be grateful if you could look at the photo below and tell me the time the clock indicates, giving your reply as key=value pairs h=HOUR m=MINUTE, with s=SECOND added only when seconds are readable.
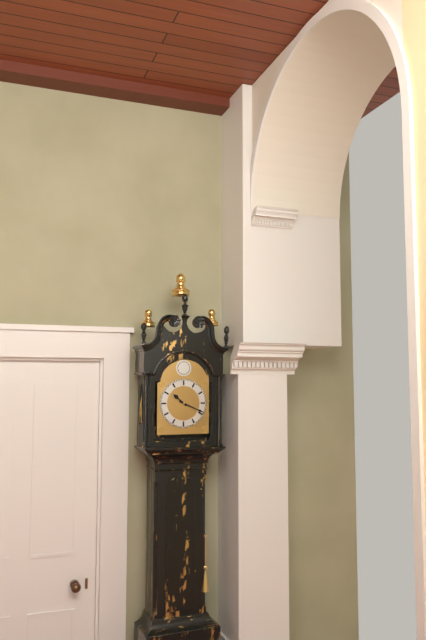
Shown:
h=10 m=19
